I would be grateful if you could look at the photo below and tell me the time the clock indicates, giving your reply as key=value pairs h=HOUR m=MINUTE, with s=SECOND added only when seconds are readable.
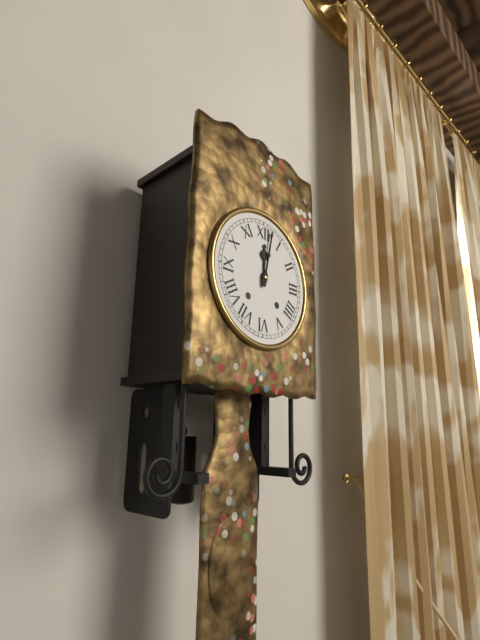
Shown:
h=12 m=2
